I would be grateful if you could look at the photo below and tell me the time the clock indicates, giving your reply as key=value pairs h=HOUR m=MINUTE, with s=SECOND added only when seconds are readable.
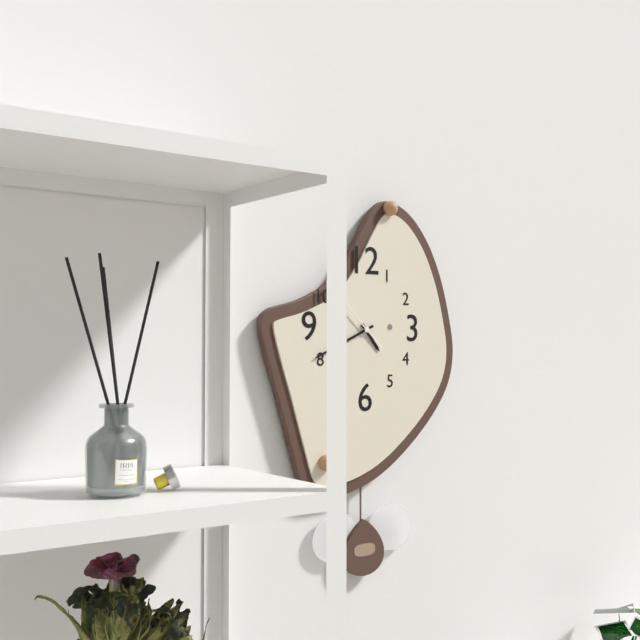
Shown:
h=4 m=41
